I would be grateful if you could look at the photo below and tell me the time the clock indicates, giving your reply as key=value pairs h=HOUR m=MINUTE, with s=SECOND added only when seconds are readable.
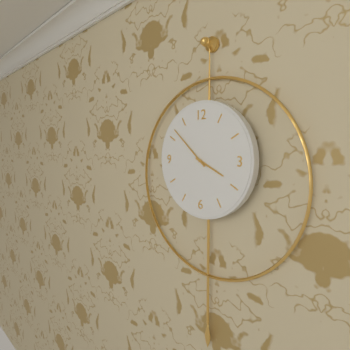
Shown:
h=3 m=52
